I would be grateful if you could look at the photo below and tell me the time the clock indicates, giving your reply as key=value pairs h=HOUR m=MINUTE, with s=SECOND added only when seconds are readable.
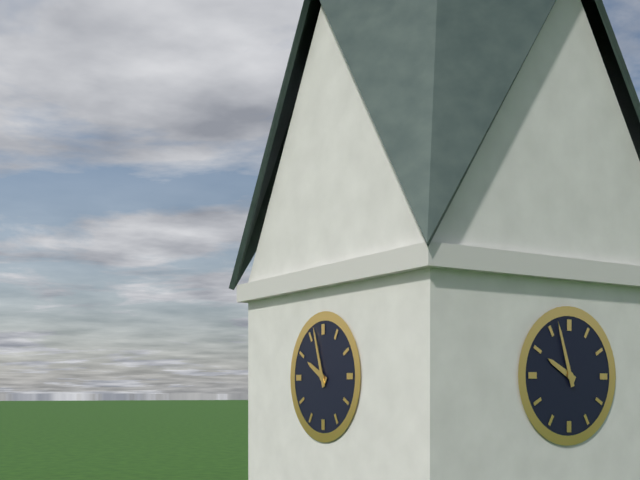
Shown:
h=9 m=57
